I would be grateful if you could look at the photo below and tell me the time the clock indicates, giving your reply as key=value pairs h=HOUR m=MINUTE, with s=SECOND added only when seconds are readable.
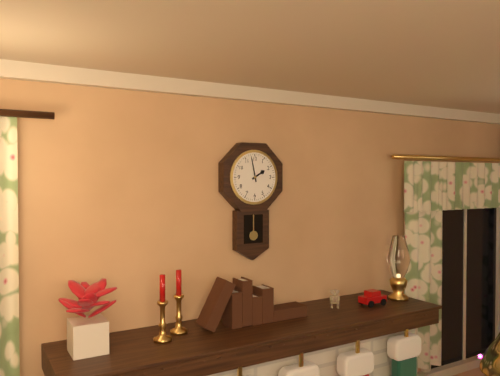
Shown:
h=1 m=58
